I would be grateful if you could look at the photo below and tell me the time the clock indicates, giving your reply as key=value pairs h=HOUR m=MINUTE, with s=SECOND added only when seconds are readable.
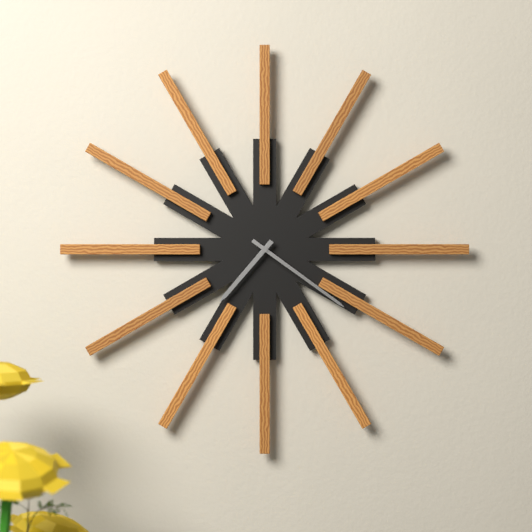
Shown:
h=7 m=21
